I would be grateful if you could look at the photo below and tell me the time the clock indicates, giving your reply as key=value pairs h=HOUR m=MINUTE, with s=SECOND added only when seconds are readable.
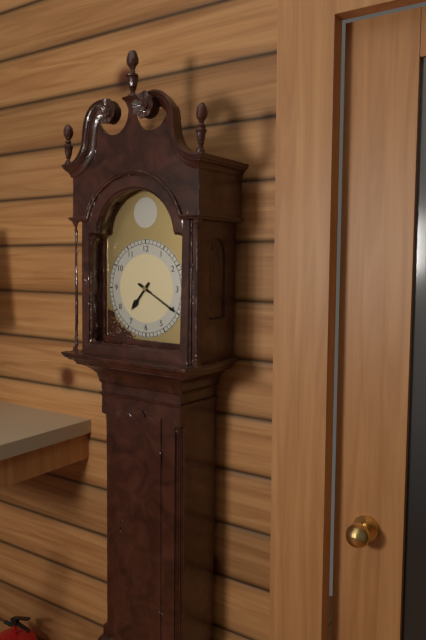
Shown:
h=7 m=20
